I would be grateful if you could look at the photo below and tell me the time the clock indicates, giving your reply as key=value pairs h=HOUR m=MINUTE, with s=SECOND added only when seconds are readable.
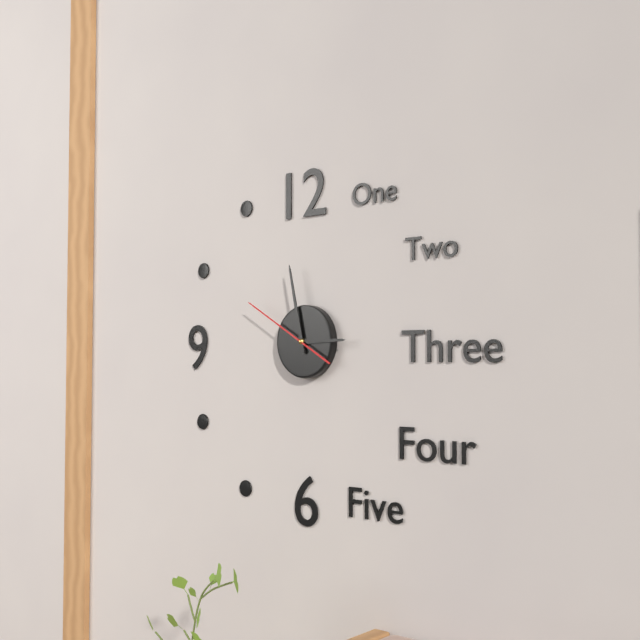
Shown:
h=2 m=58 s=50
